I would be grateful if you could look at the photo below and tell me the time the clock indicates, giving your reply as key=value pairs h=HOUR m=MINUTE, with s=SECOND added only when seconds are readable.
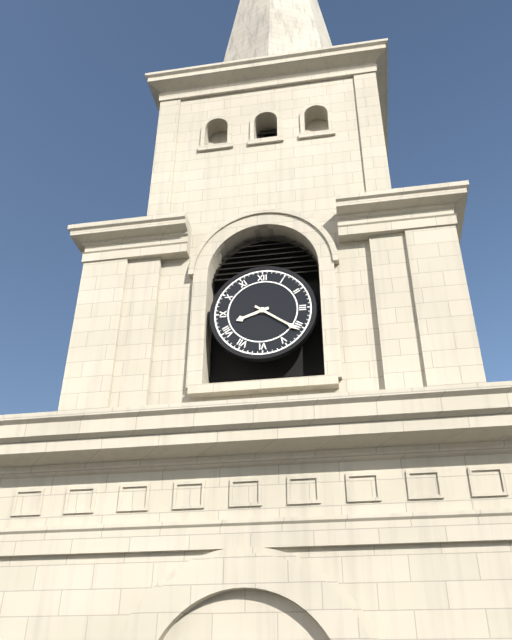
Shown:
h=8 m=21
